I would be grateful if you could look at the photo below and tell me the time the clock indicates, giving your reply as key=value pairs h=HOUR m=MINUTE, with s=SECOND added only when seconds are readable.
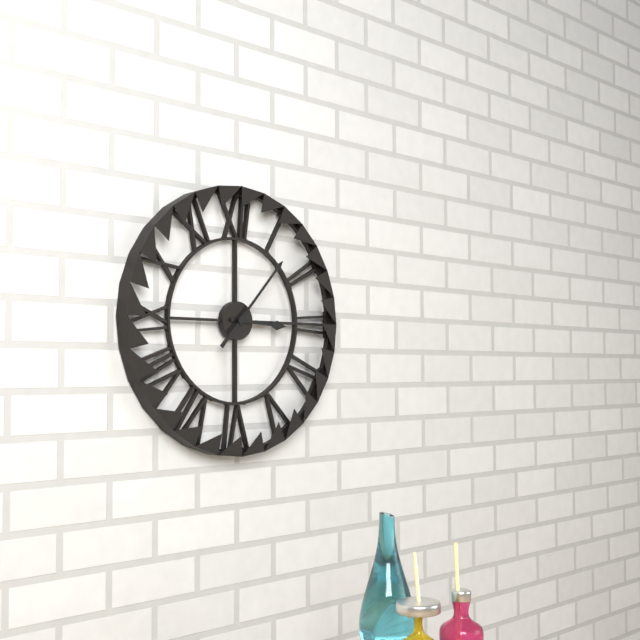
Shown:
h=3 m=7
